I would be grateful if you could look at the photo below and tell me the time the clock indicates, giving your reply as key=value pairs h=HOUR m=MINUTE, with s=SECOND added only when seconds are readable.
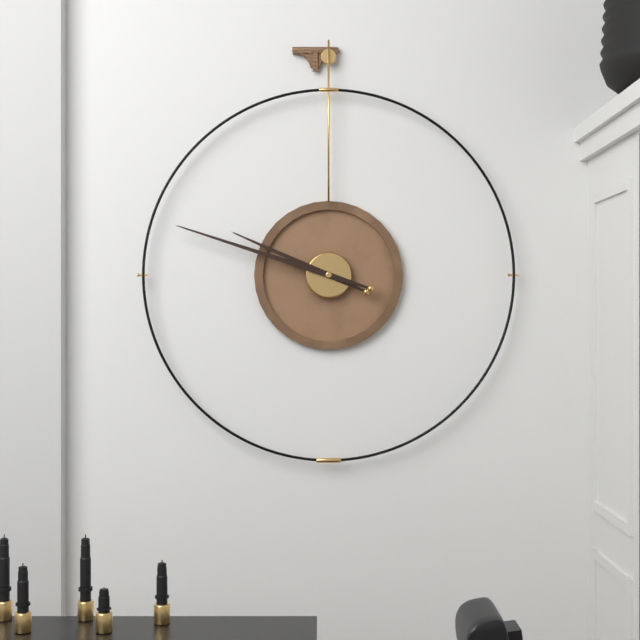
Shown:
h=9 m=48
